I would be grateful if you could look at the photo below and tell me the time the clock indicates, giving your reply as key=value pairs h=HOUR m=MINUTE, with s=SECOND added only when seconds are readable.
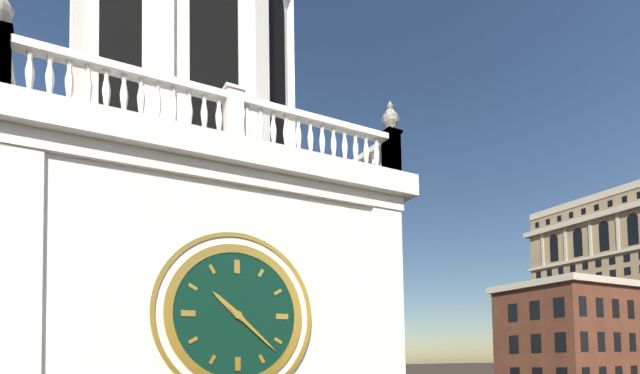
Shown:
h=10 m=22
